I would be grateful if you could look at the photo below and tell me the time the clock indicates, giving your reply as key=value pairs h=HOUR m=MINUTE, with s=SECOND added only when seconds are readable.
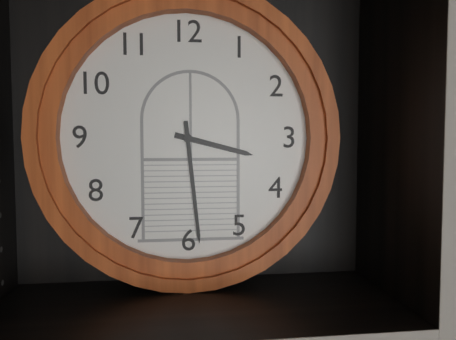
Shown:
h=3 m=29
